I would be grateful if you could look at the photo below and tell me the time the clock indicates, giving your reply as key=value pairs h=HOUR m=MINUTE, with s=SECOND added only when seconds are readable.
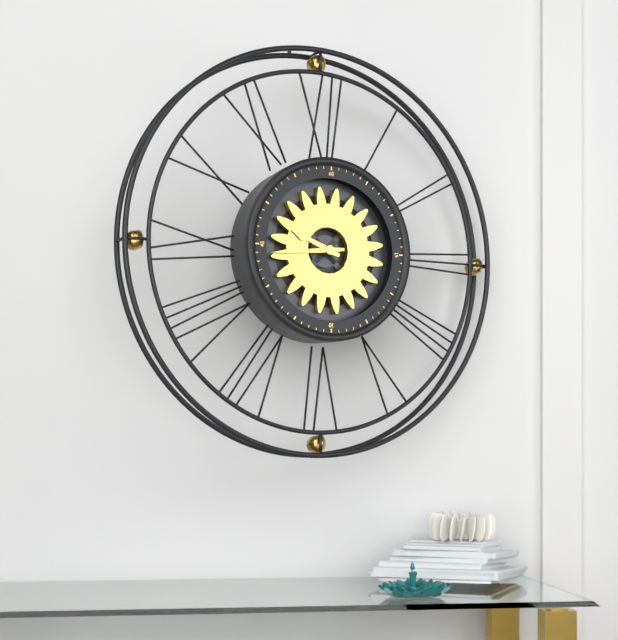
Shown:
h=9 m=44
